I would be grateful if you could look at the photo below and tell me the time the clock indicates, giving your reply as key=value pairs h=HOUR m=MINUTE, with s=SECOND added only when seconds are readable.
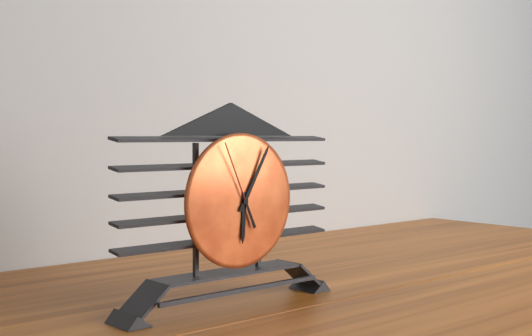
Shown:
h=6 m=5 s=56
